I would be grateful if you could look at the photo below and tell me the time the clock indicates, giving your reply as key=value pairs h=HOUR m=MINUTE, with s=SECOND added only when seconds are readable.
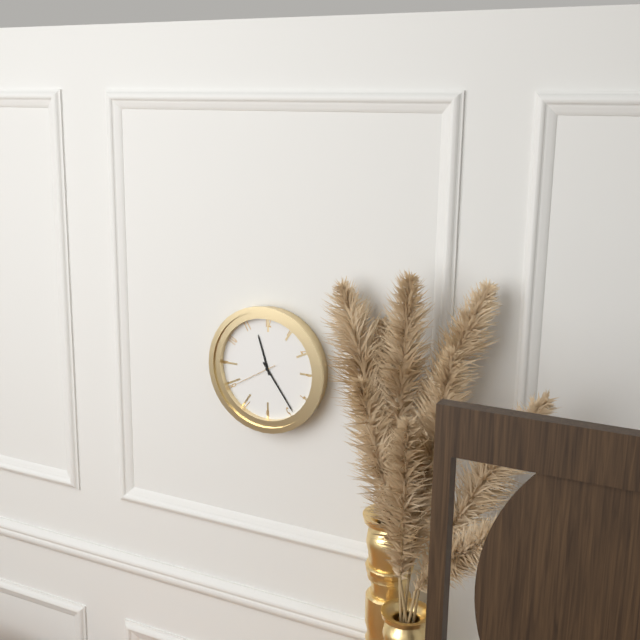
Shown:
h=11 m=24
